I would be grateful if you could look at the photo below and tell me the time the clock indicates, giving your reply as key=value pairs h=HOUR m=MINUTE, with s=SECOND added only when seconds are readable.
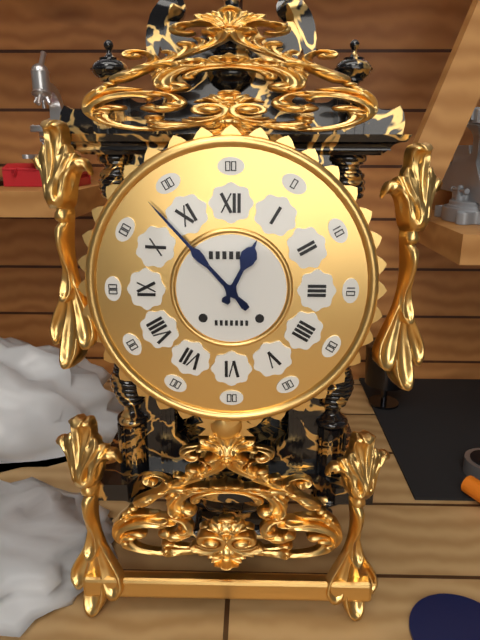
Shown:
h=12 m=53
